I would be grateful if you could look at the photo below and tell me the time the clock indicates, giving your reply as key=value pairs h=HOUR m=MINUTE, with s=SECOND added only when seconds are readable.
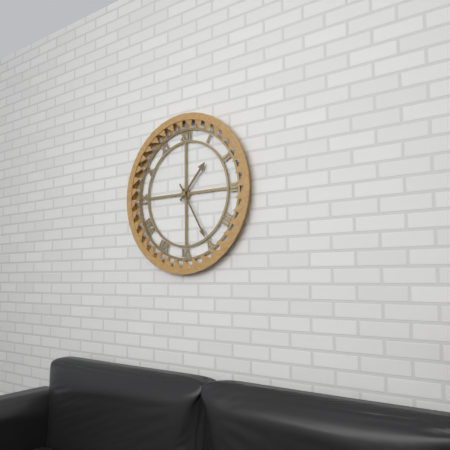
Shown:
h=1 m=25
